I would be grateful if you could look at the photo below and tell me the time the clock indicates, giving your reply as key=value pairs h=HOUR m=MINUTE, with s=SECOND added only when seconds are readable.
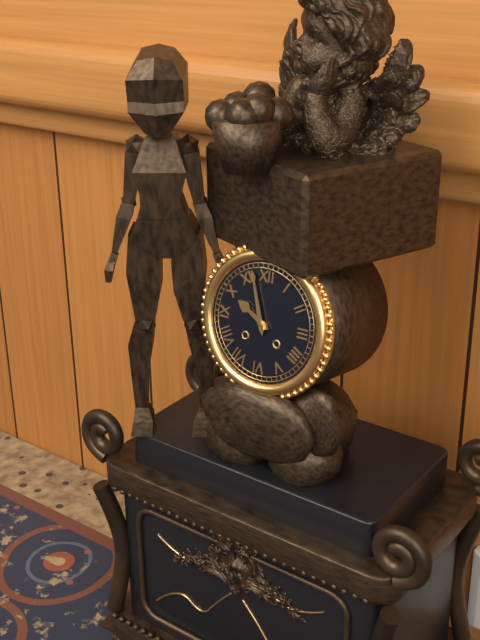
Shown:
h=9 m=57
